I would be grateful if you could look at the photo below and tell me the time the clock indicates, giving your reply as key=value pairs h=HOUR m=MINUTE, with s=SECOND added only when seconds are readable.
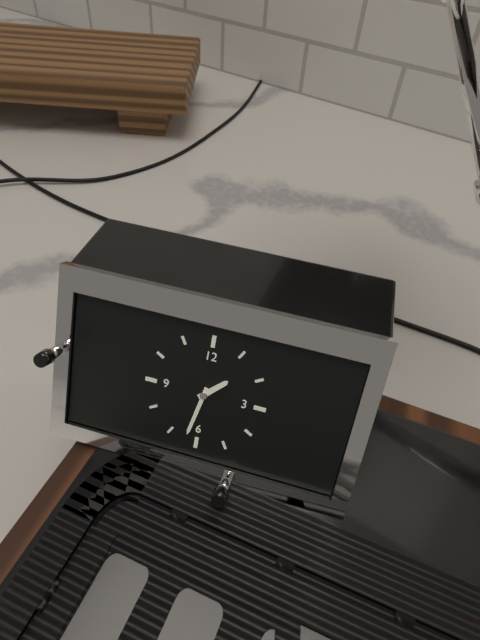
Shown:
h=1 m=32
